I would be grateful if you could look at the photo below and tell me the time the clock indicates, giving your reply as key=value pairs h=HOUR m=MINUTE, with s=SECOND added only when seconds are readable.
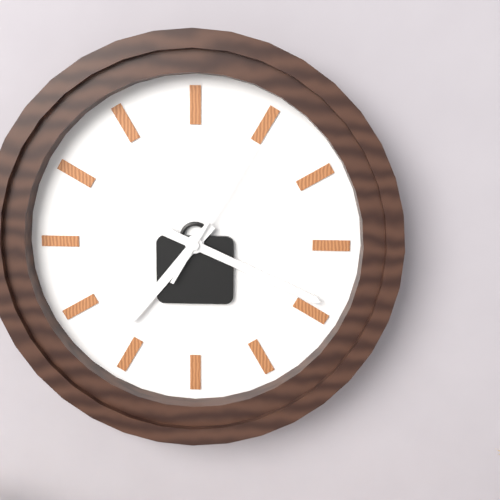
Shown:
h=7 m=19 s=5
